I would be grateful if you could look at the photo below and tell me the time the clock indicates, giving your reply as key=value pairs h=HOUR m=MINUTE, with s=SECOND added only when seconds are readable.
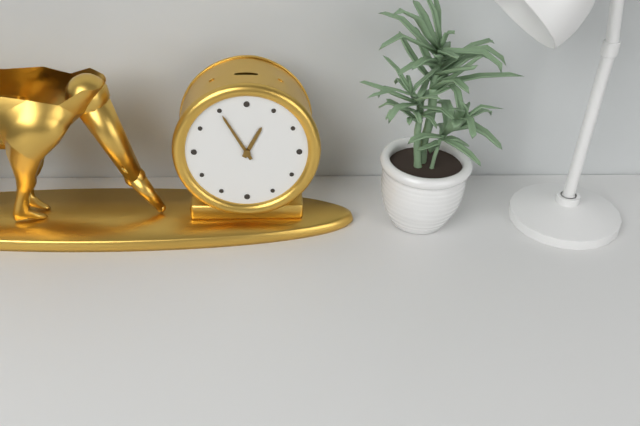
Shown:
h=12 m=55
